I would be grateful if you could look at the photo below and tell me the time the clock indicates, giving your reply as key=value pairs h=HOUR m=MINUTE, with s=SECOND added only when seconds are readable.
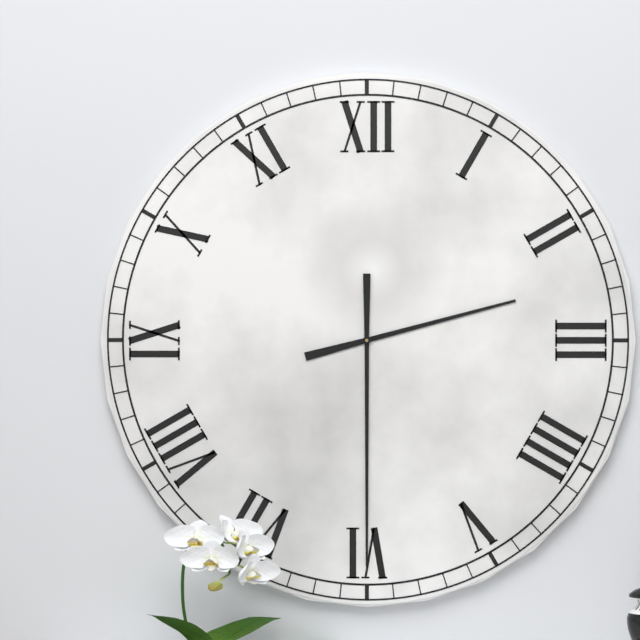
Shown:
h=2 m=30
